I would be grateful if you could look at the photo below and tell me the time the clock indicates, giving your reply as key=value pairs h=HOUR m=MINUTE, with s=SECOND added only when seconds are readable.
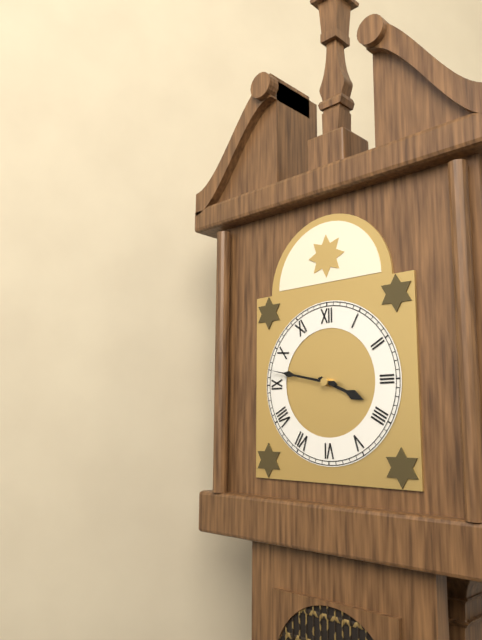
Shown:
h=3 m=47
